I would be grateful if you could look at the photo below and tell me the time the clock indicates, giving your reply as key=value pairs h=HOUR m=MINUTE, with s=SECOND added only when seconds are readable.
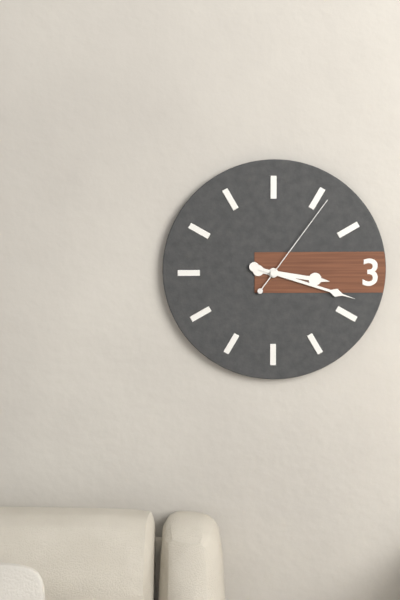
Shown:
h=3 m=18 s=6
